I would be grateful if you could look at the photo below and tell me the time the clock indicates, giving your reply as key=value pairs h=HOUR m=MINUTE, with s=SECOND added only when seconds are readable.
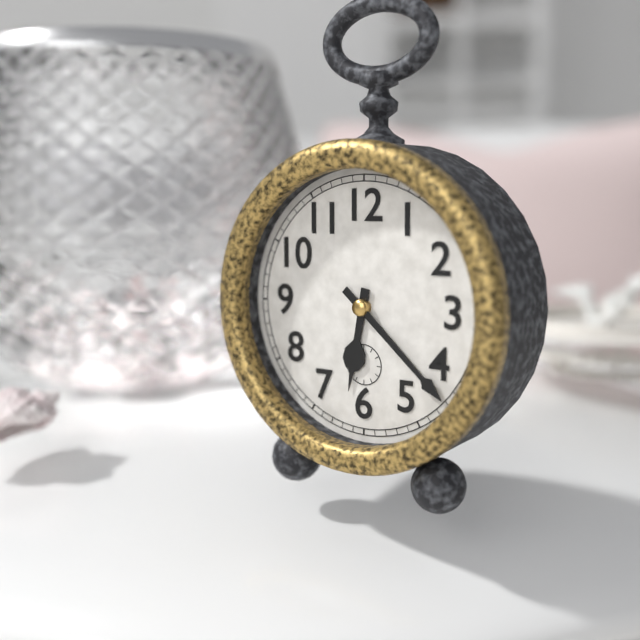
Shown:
h=6 m=22
